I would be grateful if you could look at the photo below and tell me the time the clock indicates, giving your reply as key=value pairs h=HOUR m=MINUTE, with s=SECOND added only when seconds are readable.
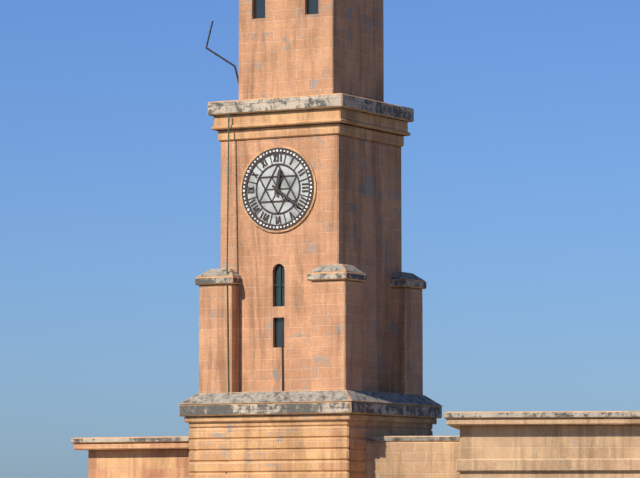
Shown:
h=12 m=21
